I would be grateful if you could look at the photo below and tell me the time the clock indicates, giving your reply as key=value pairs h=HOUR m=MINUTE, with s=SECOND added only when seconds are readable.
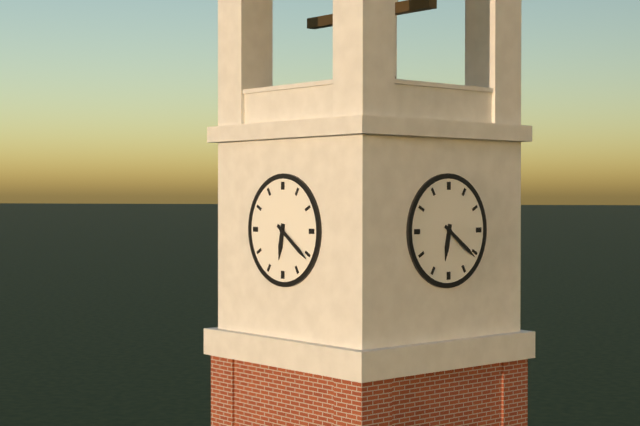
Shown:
h=6 m=21
